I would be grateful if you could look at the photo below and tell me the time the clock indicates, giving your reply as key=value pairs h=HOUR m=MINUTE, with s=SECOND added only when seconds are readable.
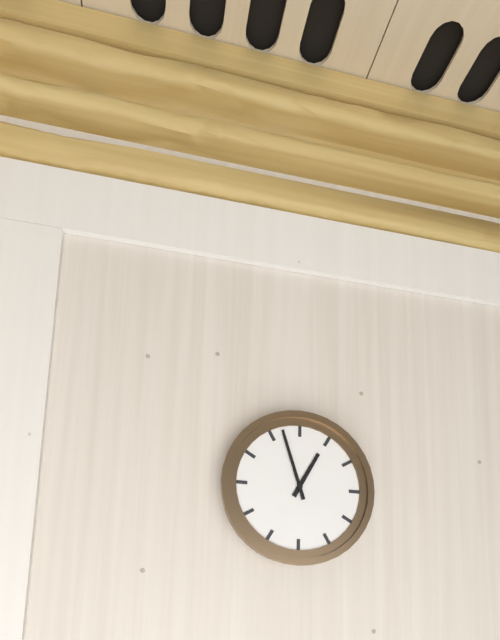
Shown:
h=12 m=57
